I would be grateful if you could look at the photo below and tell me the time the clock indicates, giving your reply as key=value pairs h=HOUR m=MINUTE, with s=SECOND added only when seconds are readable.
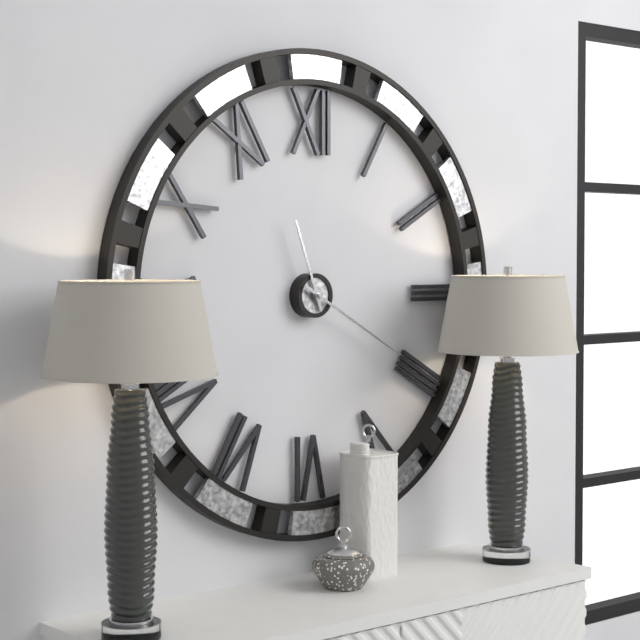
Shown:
h=11 m=20
